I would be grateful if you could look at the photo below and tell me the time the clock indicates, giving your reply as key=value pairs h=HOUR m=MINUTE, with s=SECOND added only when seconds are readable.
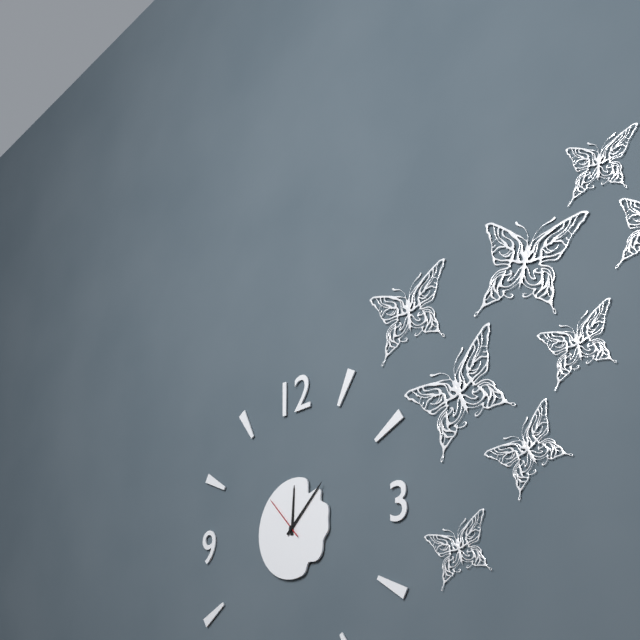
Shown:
h=12 m=8
